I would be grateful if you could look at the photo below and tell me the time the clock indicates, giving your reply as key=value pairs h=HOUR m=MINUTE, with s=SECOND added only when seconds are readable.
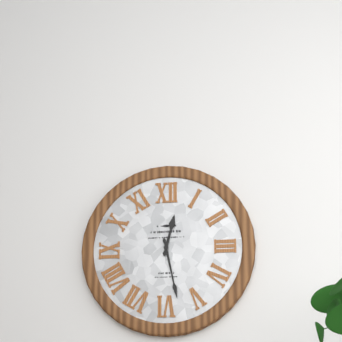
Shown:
h=12 m=28
